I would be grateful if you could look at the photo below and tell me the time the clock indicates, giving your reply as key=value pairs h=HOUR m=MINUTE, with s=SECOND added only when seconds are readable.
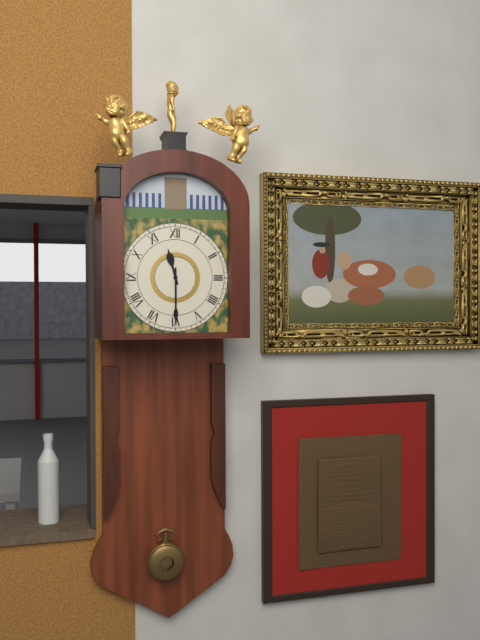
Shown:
h=11 m=30
